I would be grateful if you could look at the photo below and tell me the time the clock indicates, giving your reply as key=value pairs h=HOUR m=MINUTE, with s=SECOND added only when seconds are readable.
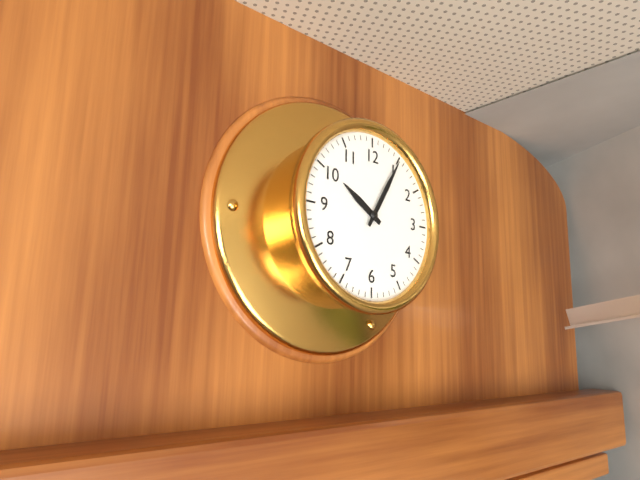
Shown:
h=10 m=5
